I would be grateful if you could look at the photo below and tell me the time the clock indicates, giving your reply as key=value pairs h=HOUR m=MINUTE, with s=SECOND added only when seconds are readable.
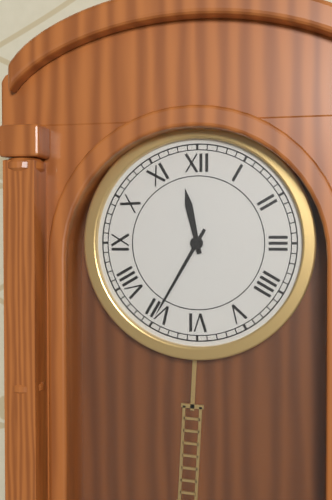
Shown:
h=11 m=35
